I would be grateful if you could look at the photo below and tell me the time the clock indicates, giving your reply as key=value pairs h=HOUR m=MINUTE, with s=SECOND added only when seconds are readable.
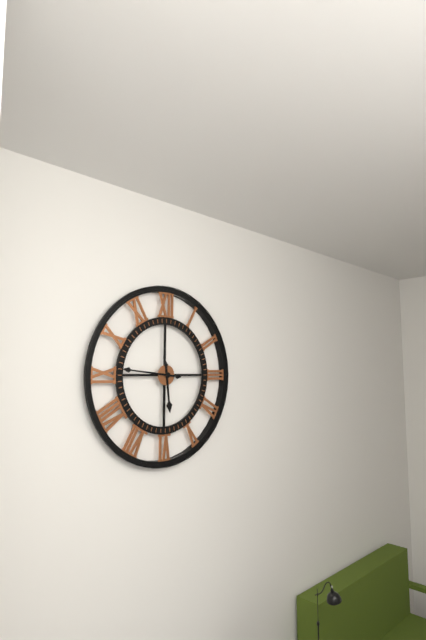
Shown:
h=5 m=46
